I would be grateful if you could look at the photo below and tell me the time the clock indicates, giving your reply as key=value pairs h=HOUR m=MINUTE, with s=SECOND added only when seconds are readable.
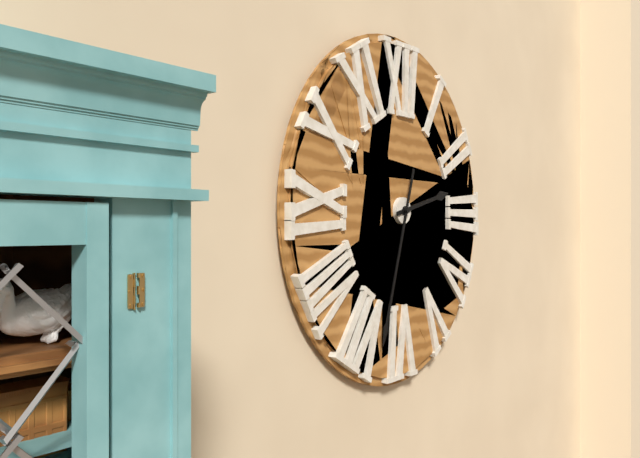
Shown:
h=2 m=33
